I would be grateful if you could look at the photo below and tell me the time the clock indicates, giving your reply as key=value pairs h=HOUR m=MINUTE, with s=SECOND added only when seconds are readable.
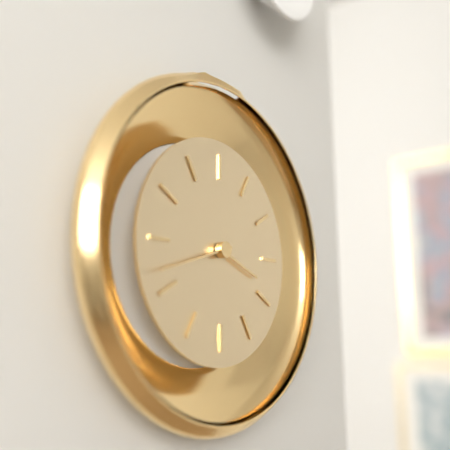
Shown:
h=3 m=42
